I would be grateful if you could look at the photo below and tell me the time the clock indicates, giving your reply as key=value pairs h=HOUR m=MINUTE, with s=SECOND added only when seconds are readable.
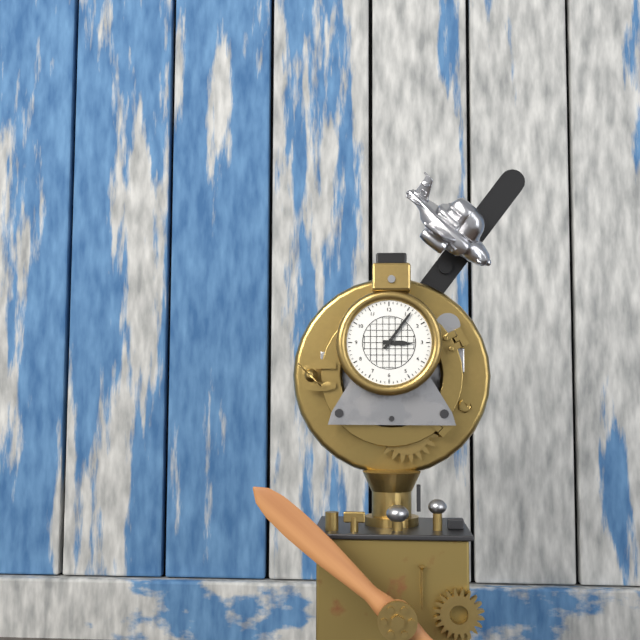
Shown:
h=3 m=6
